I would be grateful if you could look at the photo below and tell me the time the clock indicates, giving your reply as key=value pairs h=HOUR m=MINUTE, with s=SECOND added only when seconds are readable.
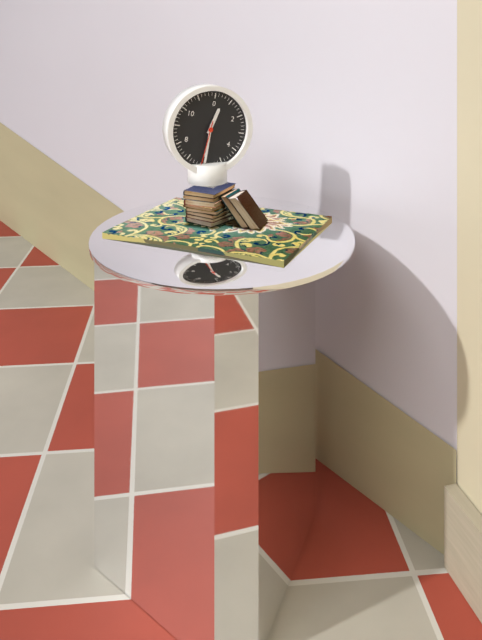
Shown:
h=12 m=30
